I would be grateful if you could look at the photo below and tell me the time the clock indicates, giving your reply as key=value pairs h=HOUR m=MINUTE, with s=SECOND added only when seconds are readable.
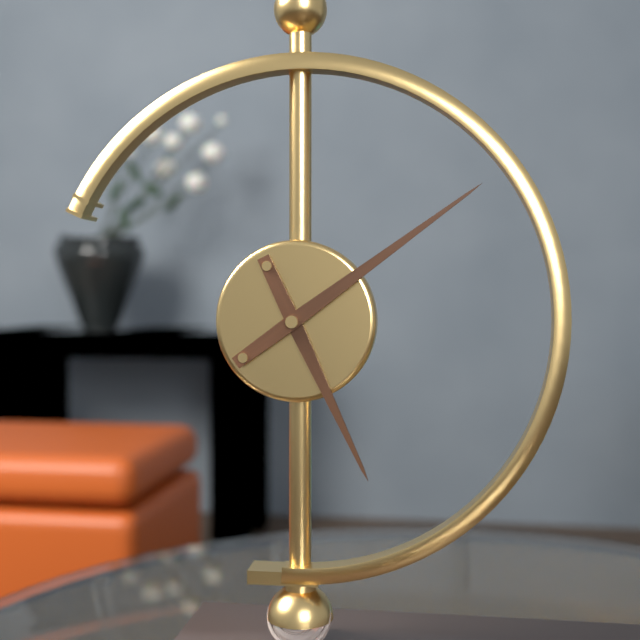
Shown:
h=5 m=9
